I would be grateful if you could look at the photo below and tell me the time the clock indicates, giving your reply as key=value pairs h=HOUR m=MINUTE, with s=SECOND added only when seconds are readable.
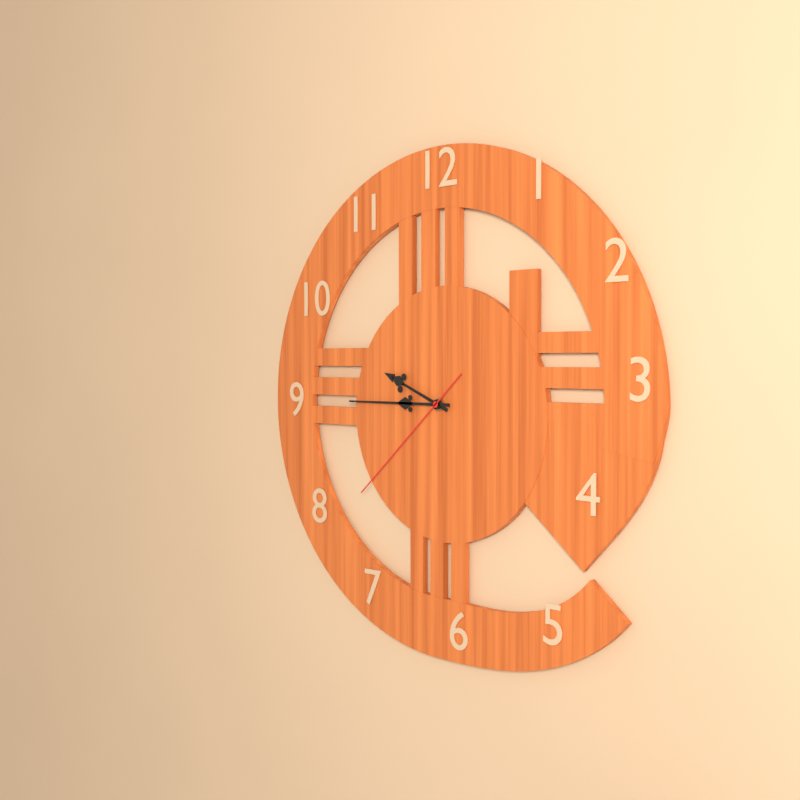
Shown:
h=9 m=45 s=38
